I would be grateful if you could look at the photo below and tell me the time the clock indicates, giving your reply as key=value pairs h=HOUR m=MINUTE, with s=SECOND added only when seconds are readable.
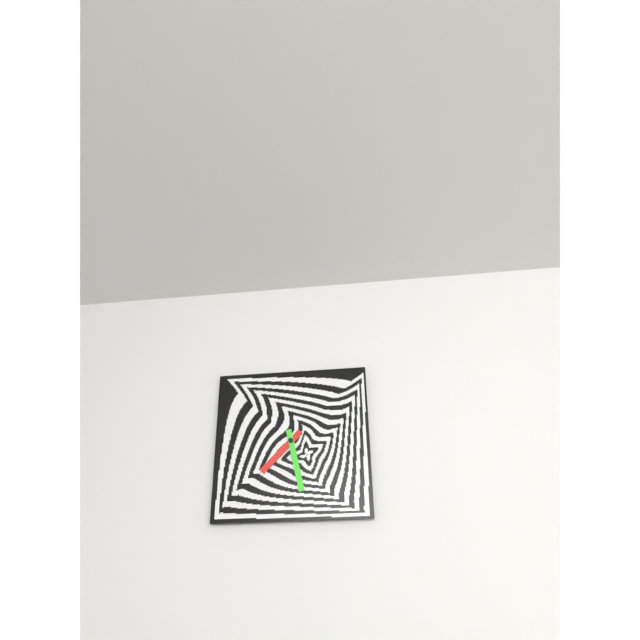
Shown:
h=7 m=28
